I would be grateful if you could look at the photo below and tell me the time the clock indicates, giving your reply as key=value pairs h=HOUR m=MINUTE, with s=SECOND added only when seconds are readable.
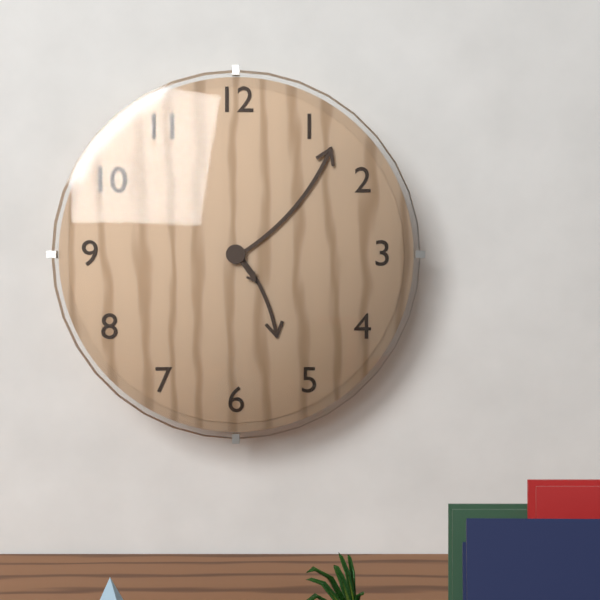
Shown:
h=5 m=7
